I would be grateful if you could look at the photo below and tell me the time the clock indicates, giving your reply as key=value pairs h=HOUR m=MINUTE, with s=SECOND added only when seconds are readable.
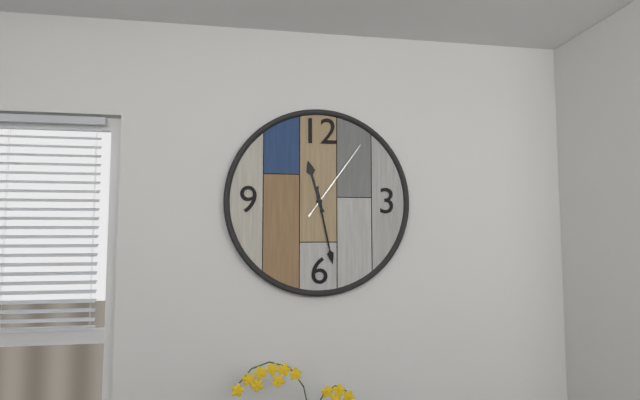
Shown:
h=11 m=28 s=6
